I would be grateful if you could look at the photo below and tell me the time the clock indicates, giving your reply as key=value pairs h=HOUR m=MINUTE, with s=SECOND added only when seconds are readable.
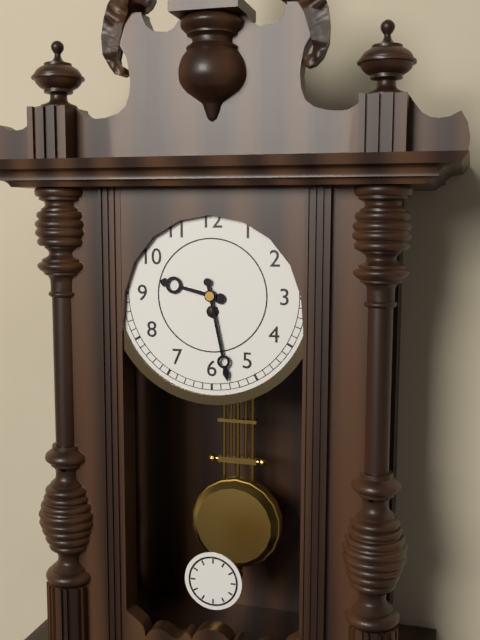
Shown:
h=9 m=28
